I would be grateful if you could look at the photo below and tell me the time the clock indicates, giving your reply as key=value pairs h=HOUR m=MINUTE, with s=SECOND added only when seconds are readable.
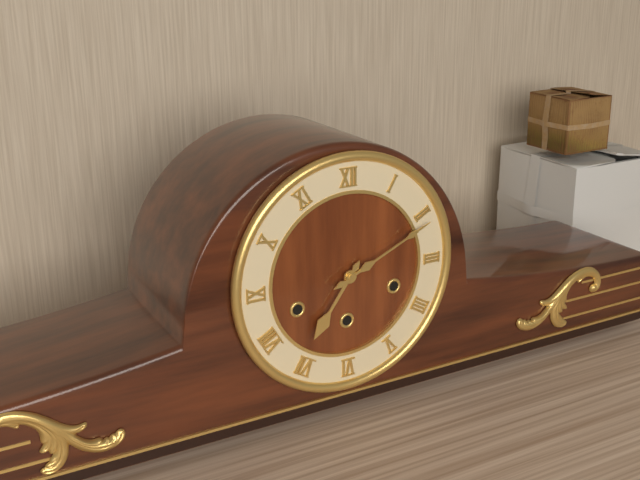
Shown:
h=7 m=11
